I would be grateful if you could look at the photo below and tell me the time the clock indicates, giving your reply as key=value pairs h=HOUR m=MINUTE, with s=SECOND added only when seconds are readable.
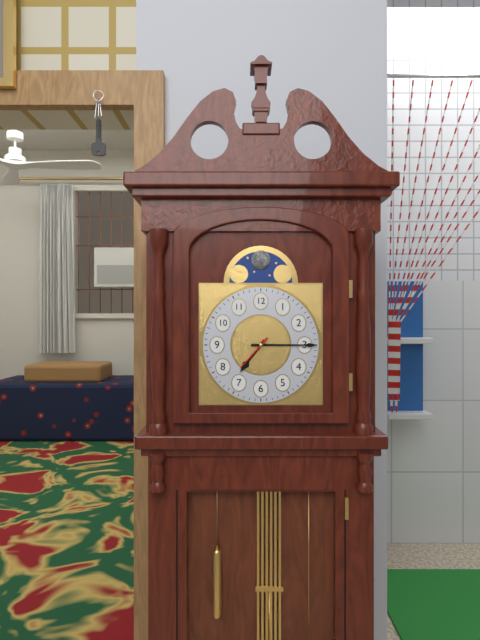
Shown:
h=7 m=15
